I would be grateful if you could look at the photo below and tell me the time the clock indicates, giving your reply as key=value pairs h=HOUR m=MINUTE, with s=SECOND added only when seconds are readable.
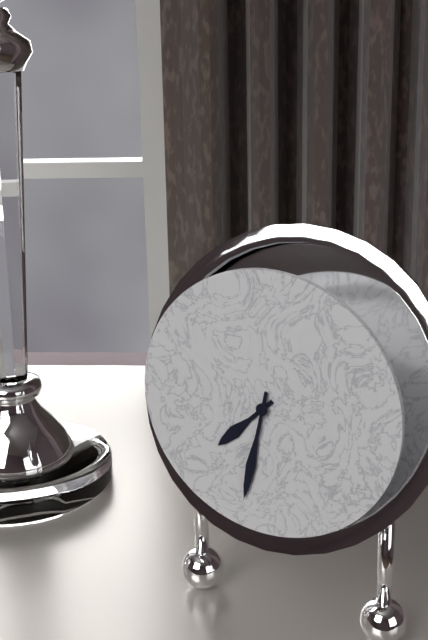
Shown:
h=7 m=32
